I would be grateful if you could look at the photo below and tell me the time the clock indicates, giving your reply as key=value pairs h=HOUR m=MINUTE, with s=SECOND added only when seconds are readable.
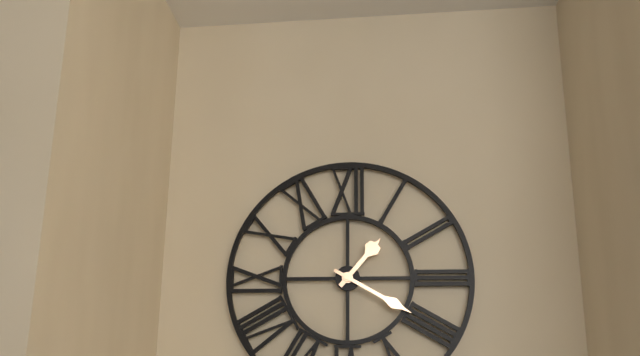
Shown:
h=1 m=20
